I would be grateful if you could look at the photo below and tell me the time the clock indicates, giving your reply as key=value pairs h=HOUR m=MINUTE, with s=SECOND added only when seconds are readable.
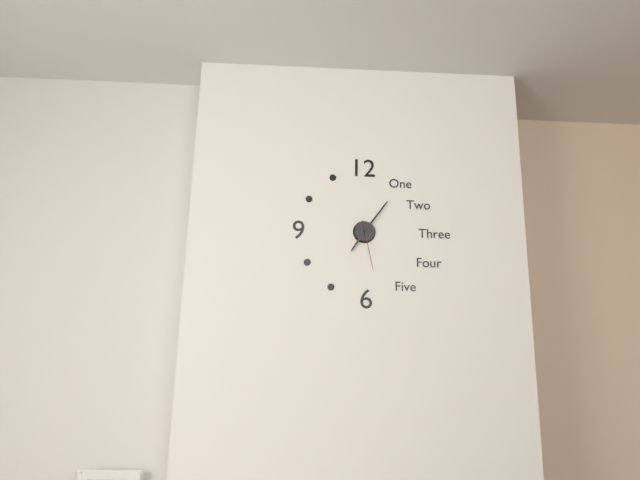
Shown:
h=7 m=6 s=28
